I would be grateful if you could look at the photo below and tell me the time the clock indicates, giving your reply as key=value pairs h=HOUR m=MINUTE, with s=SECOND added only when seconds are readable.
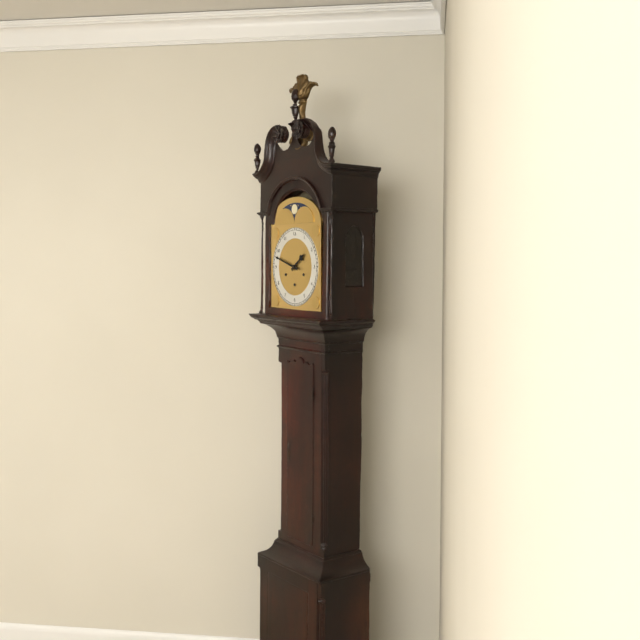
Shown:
h=1 m=48
